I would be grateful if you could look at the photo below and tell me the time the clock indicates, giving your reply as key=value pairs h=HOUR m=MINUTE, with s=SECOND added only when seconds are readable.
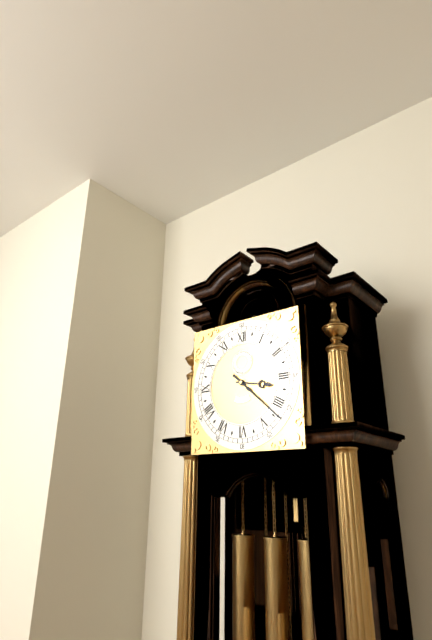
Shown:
h=3 m=22
